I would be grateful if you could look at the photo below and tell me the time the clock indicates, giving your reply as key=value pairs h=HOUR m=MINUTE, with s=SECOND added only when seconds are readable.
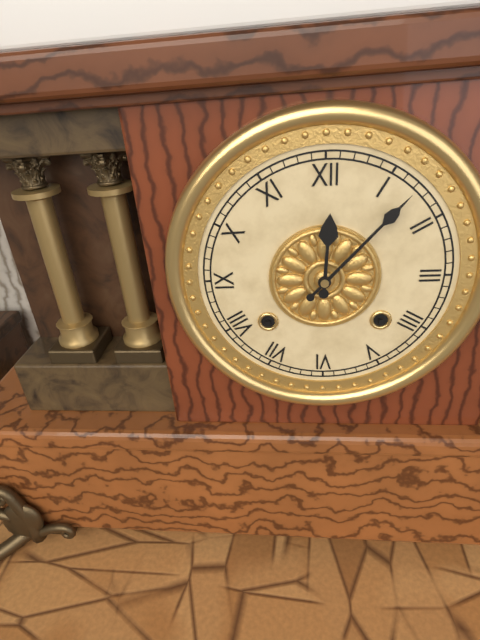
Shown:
h=12 m=7
